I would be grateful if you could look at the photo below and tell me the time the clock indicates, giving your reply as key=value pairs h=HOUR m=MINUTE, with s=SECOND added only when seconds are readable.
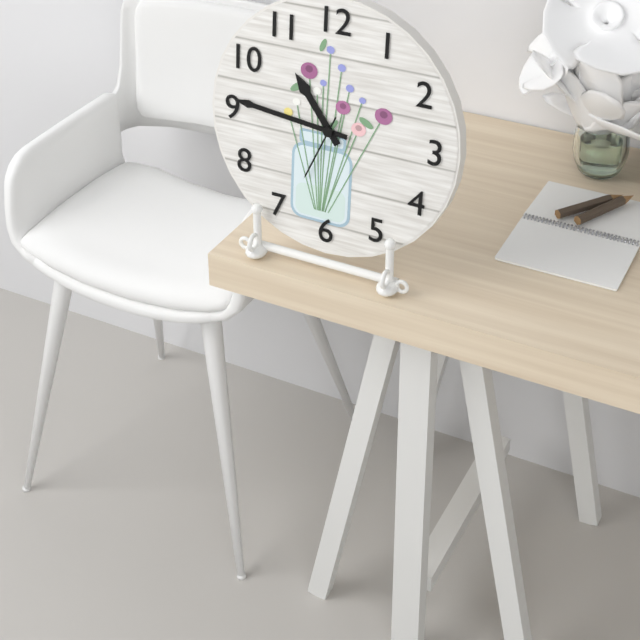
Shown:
h=10 m=46 s=34
